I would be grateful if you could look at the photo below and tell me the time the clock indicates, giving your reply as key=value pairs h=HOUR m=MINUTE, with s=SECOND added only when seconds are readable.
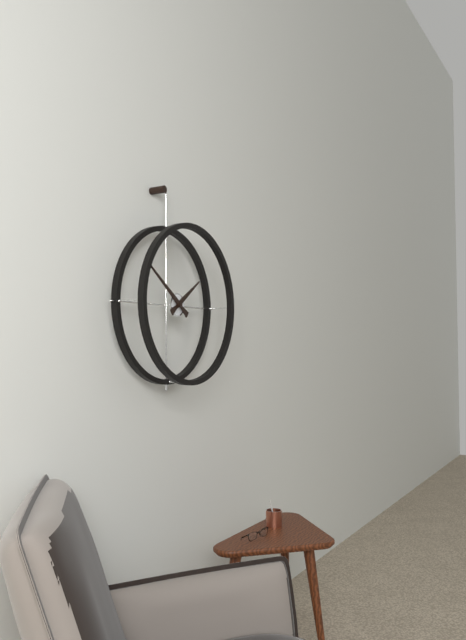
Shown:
h=1 m=51
